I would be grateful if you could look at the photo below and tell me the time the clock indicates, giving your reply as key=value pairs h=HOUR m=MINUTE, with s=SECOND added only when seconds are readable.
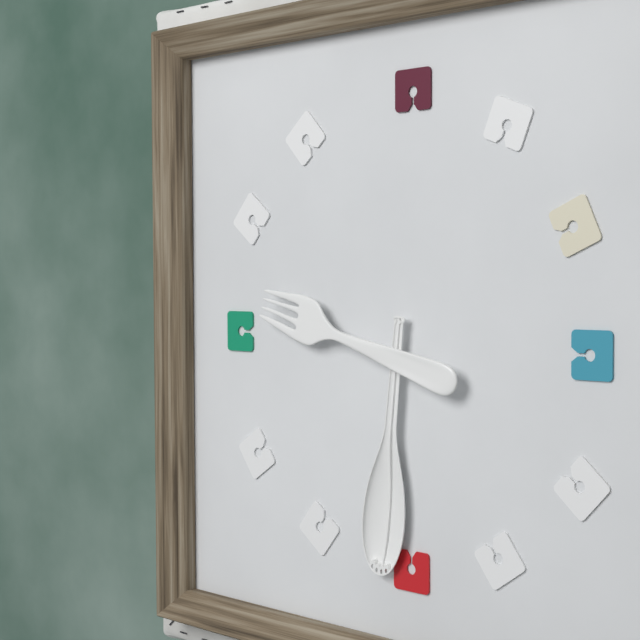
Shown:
h=9 m=31
